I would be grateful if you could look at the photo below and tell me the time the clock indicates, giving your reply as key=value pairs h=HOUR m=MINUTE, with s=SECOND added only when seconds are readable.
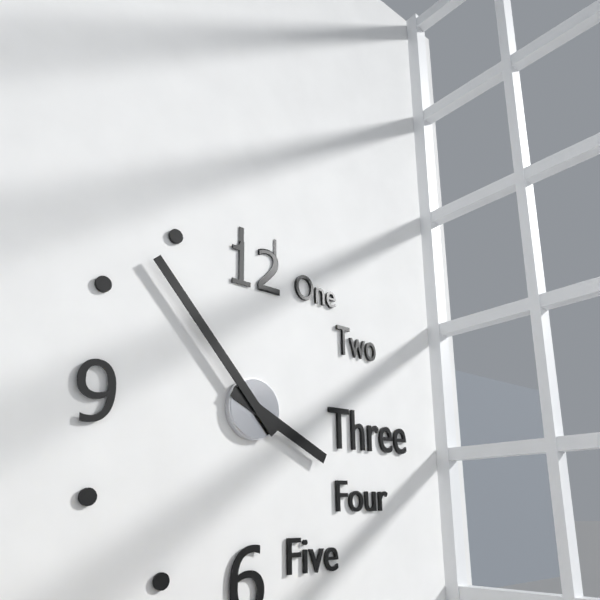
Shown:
h=3 m=53
